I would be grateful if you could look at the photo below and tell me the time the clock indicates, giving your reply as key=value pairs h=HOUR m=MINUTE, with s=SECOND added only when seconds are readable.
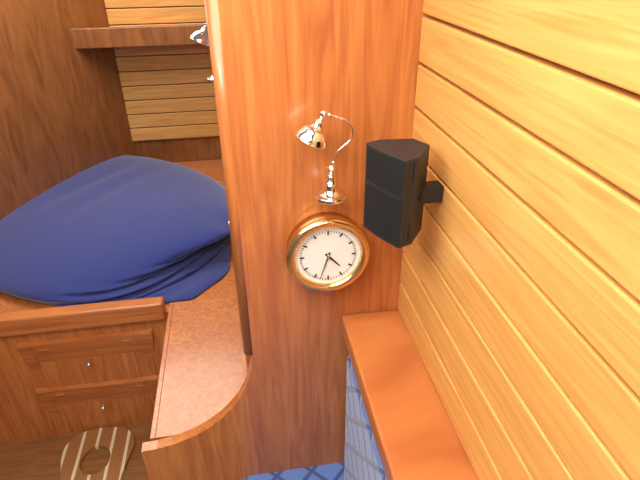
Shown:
h=4 m=33
